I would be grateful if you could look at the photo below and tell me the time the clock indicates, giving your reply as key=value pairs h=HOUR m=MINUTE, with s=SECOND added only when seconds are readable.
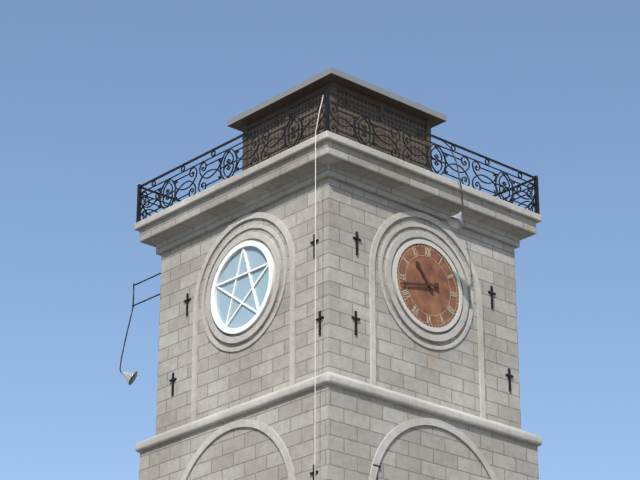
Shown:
h=10 m=43
